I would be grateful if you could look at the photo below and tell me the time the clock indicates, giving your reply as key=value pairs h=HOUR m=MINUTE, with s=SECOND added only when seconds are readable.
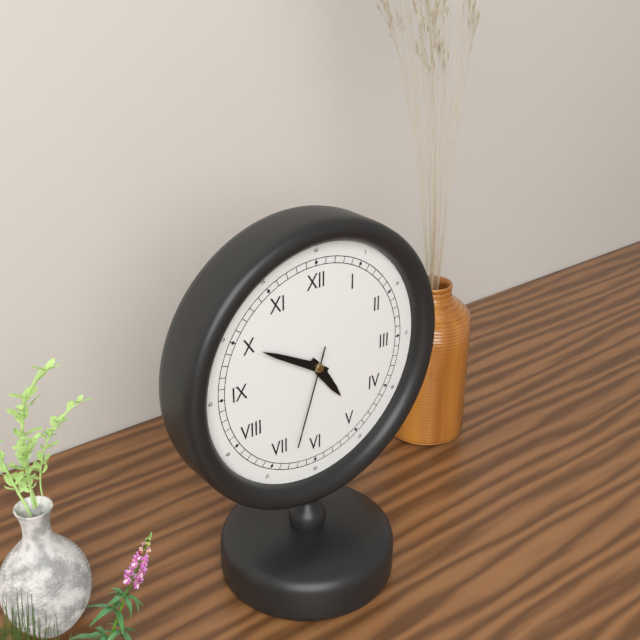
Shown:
h=4 m=50 s=33
